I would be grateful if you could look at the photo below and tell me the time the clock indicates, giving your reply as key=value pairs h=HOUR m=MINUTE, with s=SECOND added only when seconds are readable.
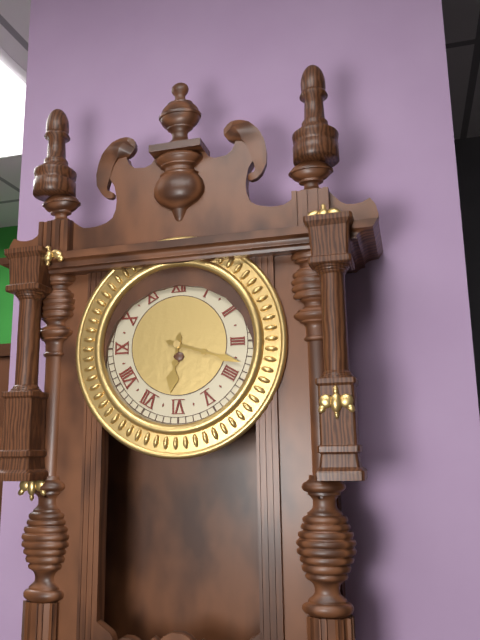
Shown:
h=6 m=18
